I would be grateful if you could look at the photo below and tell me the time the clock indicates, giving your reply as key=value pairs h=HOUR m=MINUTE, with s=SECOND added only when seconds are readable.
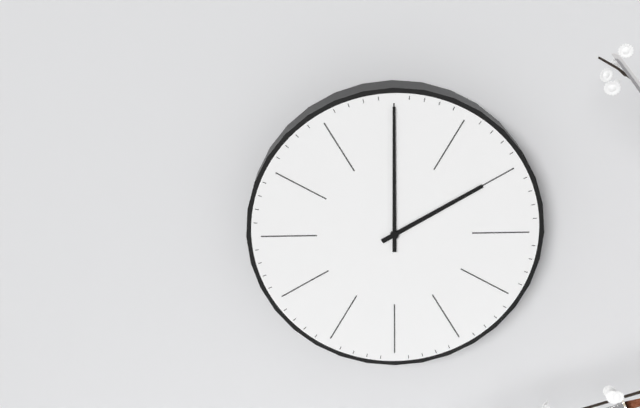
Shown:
h=2 m=0
